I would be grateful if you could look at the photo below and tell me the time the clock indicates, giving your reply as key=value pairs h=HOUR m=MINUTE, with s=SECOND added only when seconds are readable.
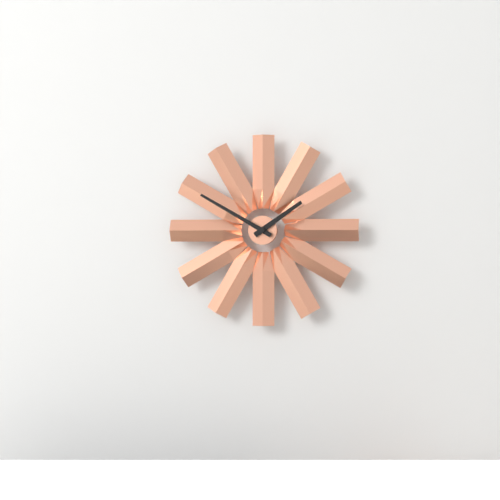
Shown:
h=1 m=50
